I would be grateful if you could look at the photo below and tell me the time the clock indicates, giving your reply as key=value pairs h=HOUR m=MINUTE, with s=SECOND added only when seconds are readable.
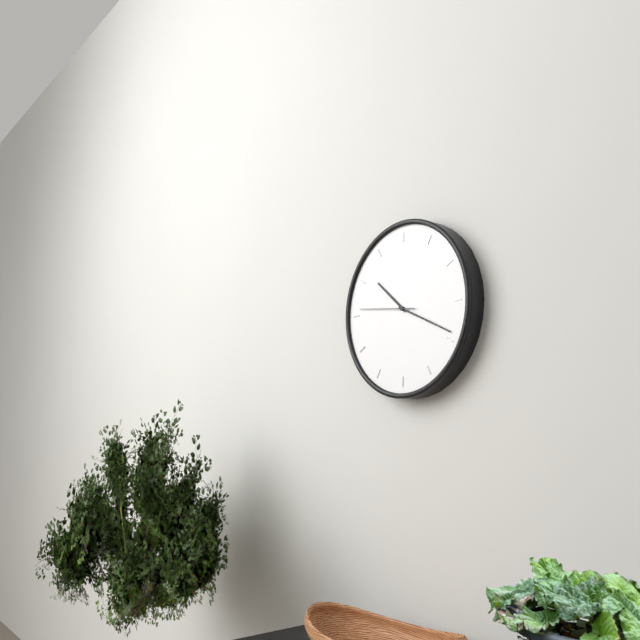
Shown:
h=10 m=19 s=46
